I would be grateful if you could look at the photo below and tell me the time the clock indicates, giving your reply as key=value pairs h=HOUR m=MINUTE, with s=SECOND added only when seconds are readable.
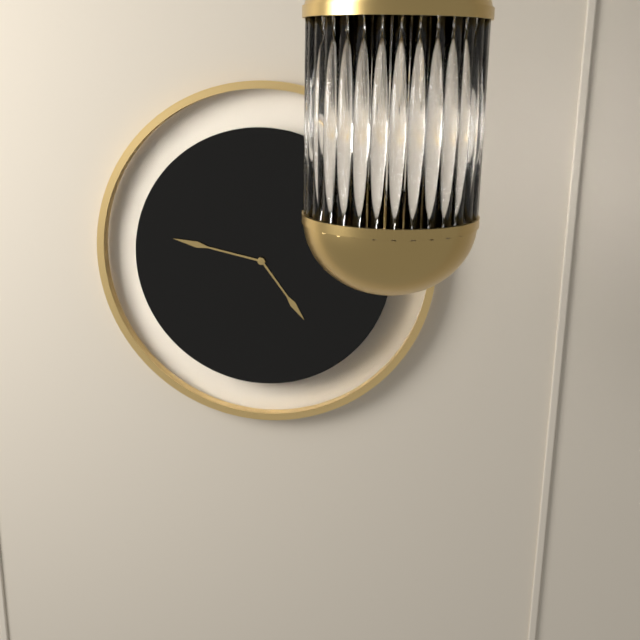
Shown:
h=4 m=47
